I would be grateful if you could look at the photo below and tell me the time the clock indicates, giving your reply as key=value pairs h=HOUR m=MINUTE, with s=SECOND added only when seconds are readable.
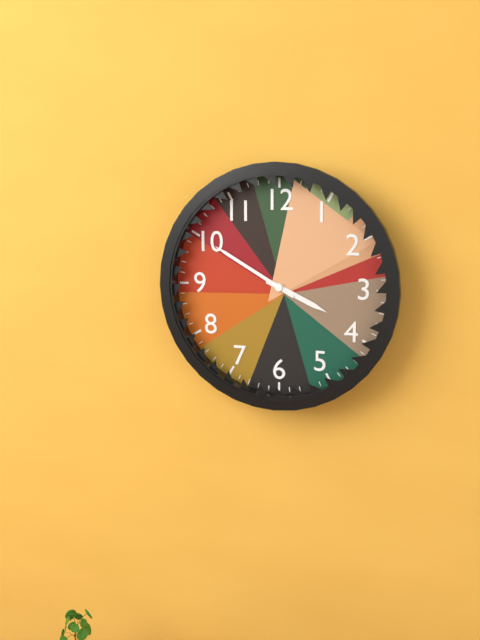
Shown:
h=3 m=50
